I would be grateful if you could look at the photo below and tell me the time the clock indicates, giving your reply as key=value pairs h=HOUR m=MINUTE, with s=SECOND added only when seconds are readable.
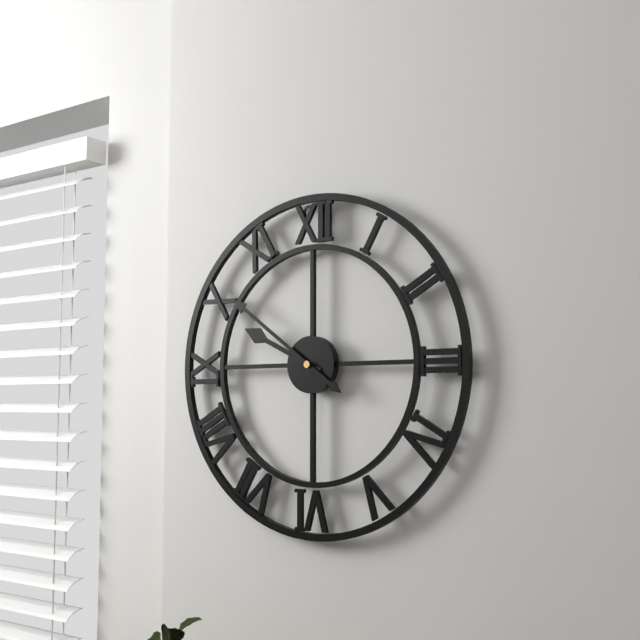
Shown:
h=9 m=51
